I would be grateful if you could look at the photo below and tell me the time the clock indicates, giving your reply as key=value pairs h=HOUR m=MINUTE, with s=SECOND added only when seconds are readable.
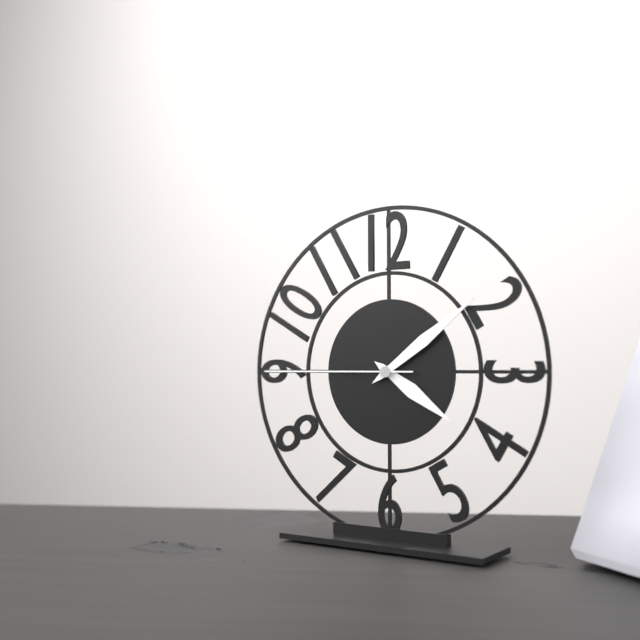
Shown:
h=4 m=9 s=45
